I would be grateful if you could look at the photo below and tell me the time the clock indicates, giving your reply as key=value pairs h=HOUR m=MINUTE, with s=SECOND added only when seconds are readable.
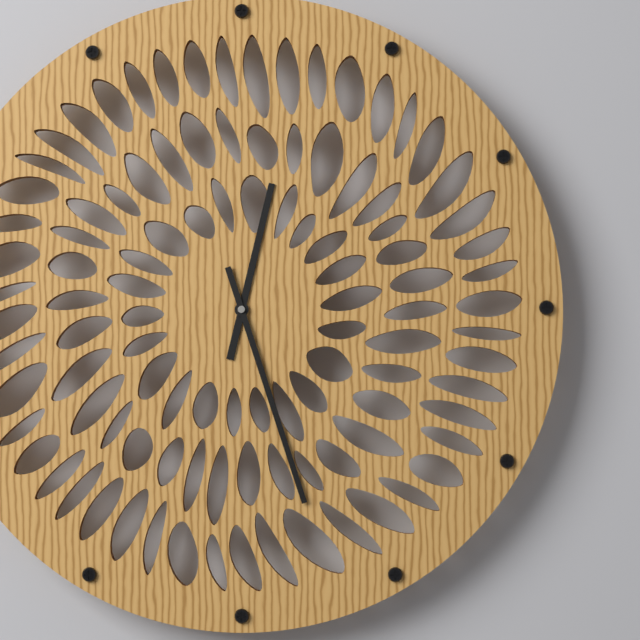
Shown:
h=12 m=27
